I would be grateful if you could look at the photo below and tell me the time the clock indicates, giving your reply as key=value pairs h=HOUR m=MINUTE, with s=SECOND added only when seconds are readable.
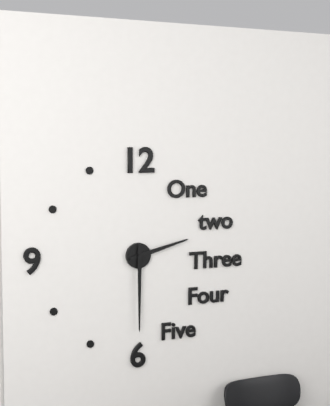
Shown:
h=2 m=30
